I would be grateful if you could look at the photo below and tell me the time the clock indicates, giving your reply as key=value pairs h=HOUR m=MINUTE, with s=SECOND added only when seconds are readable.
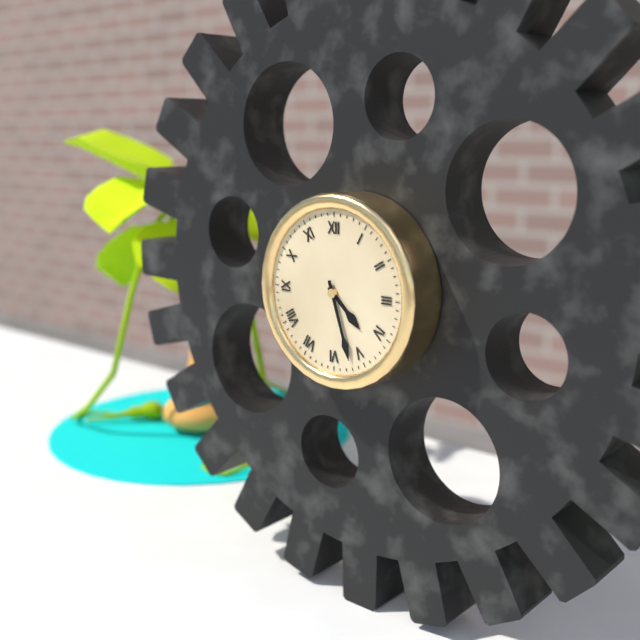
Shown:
h=4 m=27
